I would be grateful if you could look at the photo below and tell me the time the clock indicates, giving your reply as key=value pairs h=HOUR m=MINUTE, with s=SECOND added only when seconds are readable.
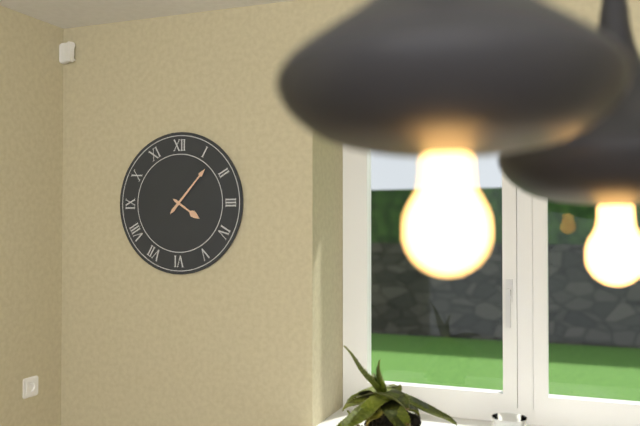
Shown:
h=4 m=7
